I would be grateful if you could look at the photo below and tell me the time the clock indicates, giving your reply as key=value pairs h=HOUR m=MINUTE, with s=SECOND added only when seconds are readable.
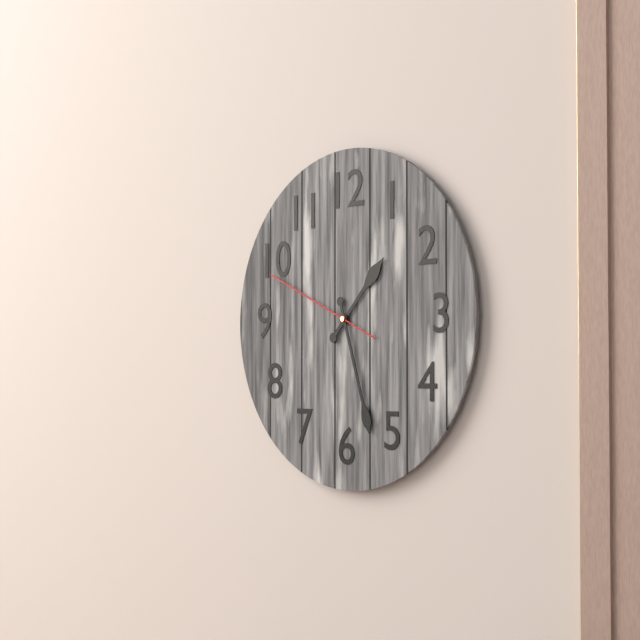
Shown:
h=1 m=27 s=49
